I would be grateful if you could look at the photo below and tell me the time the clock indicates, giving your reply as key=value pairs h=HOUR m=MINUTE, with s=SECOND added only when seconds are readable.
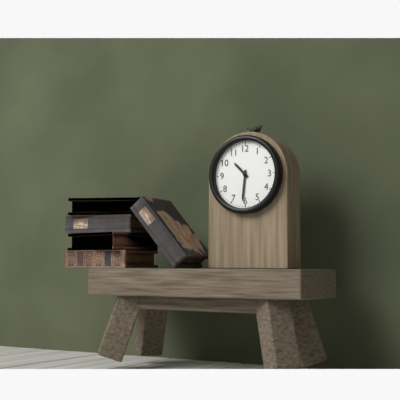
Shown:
h=10 m=31
